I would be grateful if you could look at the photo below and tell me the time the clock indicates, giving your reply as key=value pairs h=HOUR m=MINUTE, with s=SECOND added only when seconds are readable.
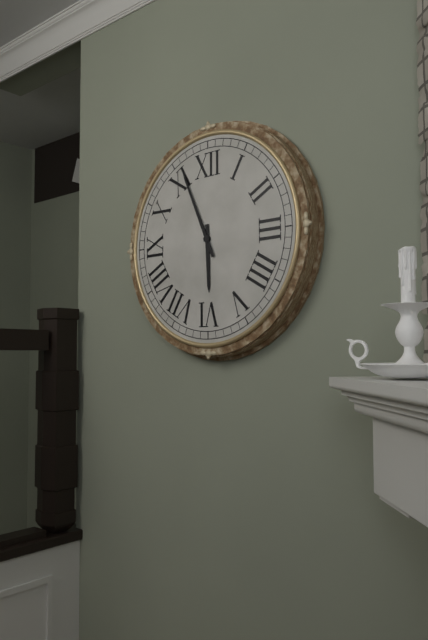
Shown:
h=5 m=56
